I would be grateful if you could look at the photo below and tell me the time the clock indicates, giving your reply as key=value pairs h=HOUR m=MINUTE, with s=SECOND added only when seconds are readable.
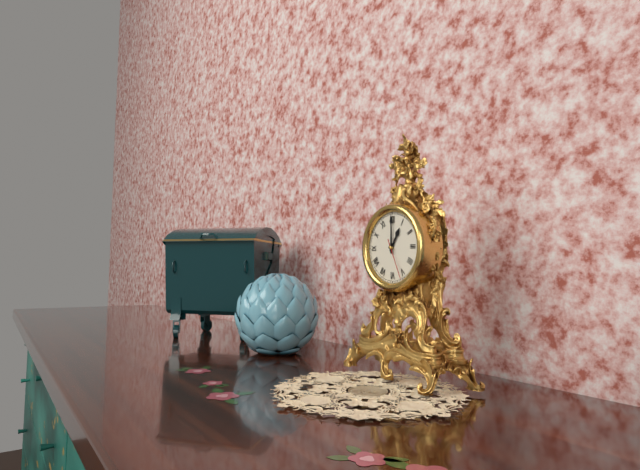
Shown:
h=1 m=0
